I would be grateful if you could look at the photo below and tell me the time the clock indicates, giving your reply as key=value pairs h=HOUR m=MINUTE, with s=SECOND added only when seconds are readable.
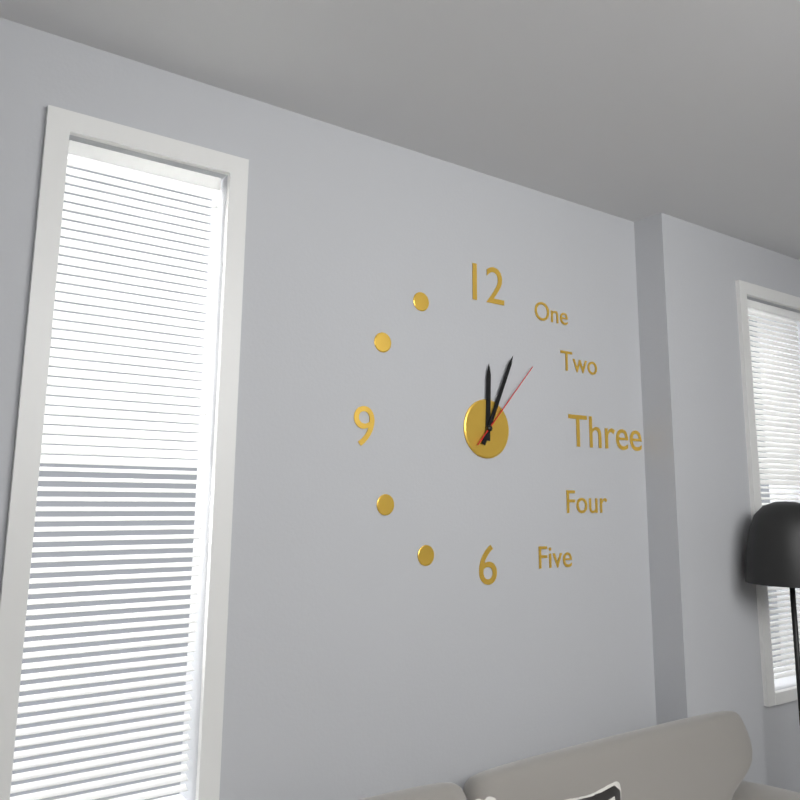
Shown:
h=12 m=4 s=7
